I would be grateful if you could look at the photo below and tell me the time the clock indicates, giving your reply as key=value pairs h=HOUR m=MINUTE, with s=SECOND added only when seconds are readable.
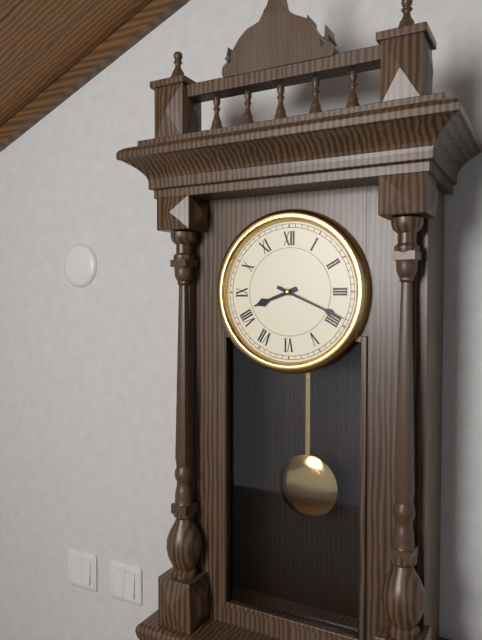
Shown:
h=8 m=19
